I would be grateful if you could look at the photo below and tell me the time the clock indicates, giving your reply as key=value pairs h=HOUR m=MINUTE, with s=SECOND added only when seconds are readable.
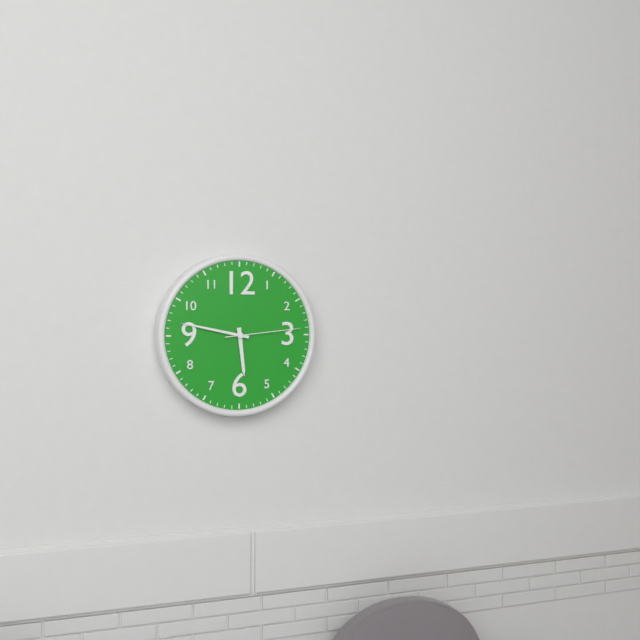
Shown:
h=5 m=47 s=14
